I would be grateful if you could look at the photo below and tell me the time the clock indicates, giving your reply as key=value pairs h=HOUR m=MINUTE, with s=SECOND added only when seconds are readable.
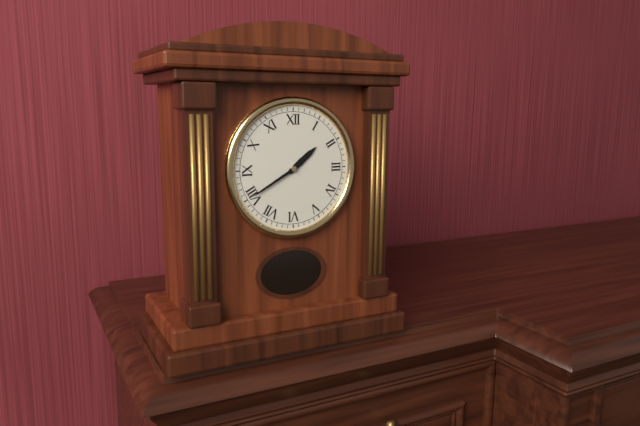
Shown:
h=1 m=40
